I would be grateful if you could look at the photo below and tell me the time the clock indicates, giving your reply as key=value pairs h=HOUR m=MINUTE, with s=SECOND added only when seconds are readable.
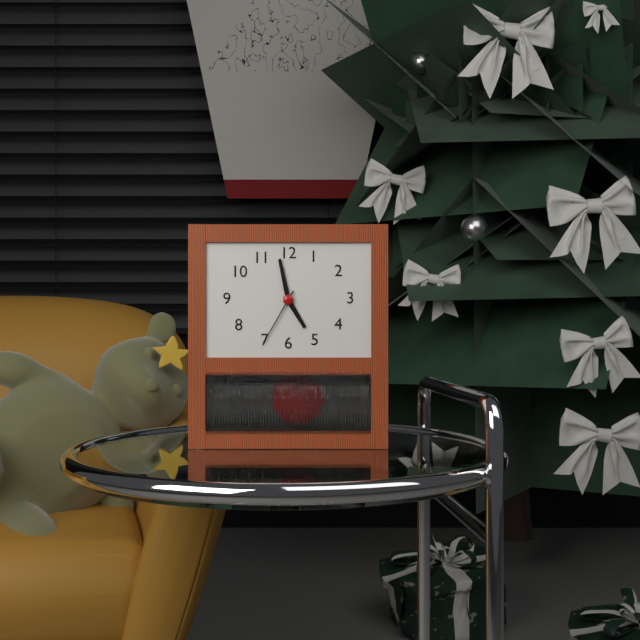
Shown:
h=4 m=58 s=35
